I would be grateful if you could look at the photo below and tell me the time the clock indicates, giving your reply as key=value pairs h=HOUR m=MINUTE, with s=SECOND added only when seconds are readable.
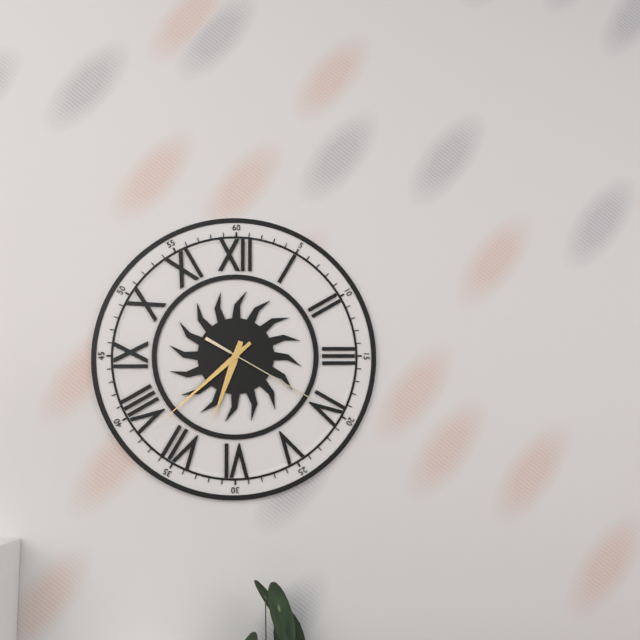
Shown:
h=6 m=38 s=20
